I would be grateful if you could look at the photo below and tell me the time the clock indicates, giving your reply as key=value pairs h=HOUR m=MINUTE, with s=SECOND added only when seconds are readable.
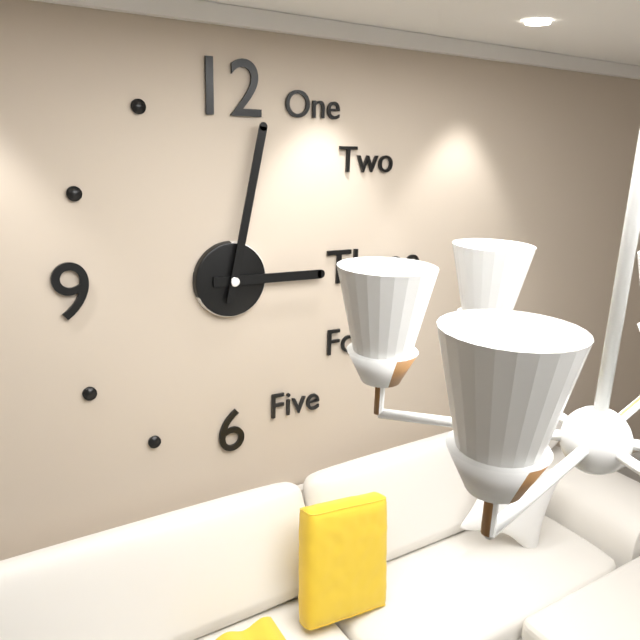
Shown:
h=3 m=2
